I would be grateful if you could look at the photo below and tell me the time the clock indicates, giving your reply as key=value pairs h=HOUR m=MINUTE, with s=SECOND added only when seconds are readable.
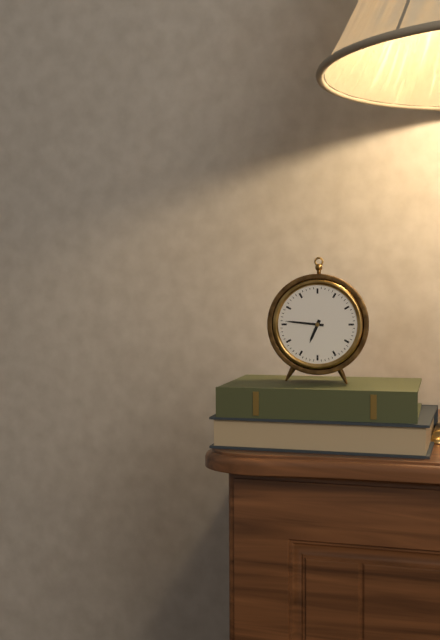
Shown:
h=6 m=46
